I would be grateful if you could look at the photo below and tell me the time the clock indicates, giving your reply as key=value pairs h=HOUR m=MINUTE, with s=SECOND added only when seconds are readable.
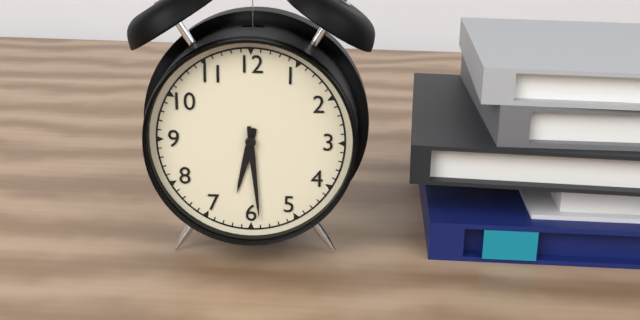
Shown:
h=6 m=29
